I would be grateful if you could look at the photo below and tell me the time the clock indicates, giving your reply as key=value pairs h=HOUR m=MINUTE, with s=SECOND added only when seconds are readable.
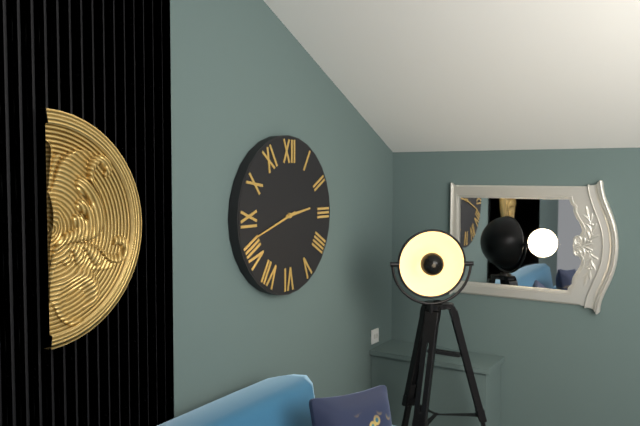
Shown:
h=2 m=42
